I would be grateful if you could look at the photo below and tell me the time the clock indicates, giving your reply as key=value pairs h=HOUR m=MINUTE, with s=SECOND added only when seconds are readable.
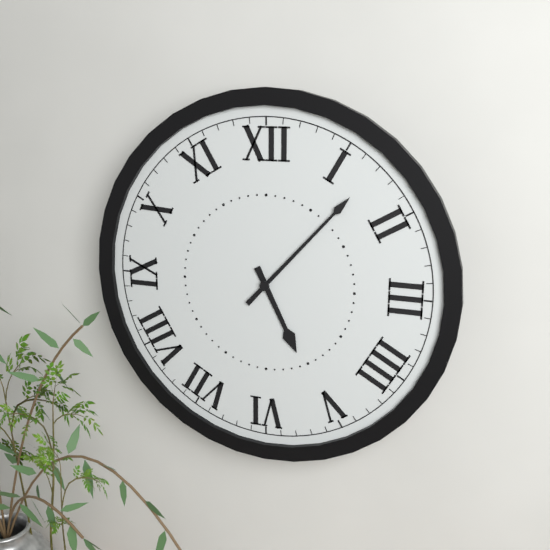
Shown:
h=5 m=7
